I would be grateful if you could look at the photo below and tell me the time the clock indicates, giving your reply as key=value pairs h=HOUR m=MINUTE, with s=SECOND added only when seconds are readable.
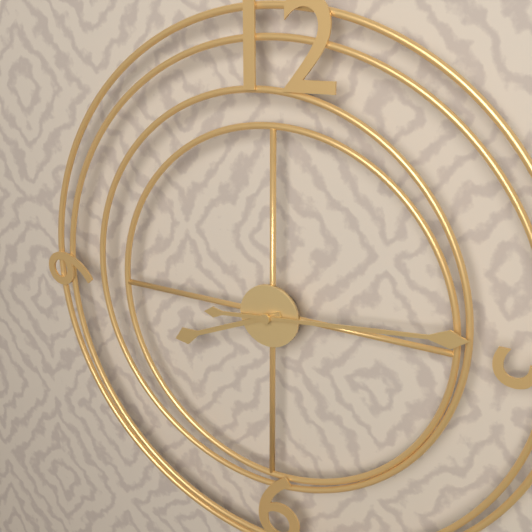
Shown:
h=8 m=14
